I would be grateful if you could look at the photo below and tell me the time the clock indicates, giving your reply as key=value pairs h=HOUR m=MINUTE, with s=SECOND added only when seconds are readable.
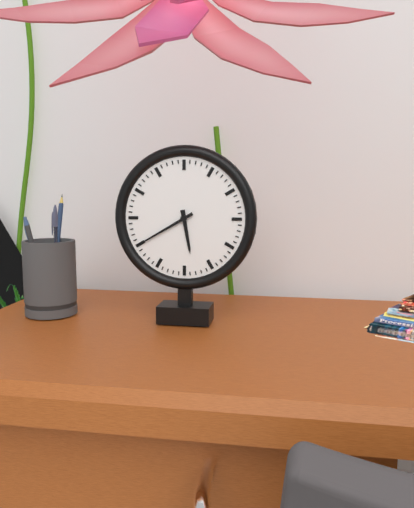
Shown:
h=5 m=40
